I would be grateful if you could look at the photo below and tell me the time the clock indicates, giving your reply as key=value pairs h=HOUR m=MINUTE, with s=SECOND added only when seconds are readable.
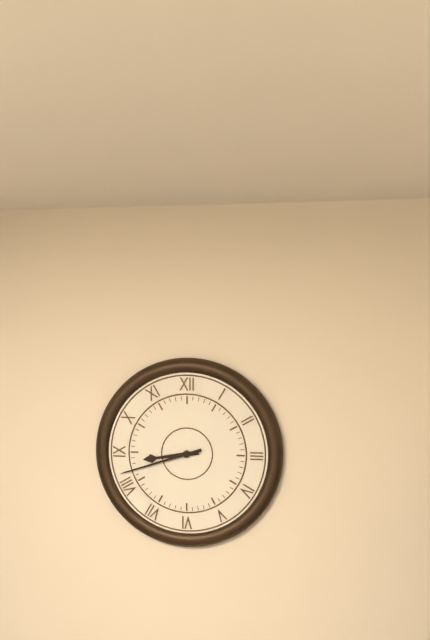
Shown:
h=8 m=42
